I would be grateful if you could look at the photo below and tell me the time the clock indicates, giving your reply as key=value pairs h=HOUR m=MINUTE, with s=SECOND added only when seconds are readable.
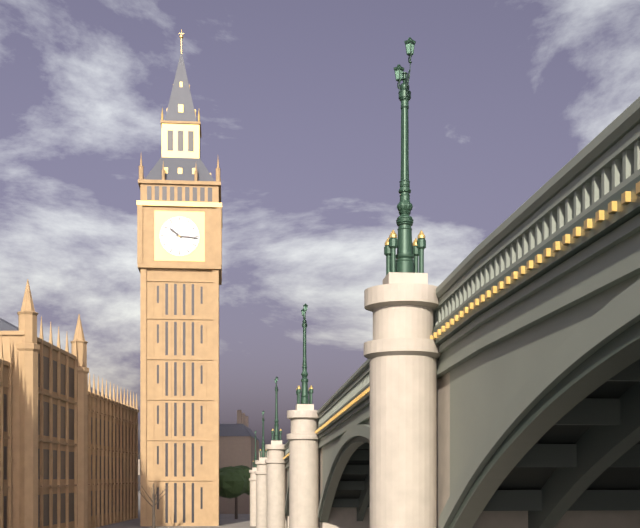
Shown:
h=10 m=16
